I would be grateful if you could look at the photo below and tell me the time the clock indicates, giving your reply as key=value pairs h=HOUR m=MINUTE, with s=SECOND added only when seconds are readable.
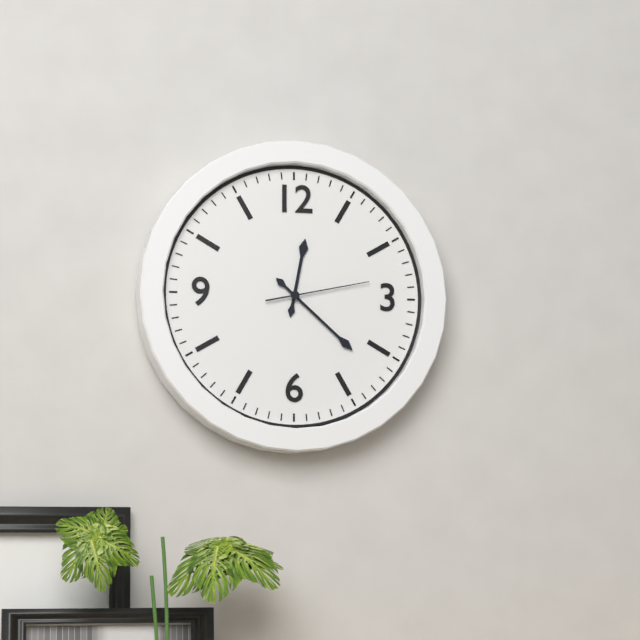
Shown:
h=12 m=22 s=13
